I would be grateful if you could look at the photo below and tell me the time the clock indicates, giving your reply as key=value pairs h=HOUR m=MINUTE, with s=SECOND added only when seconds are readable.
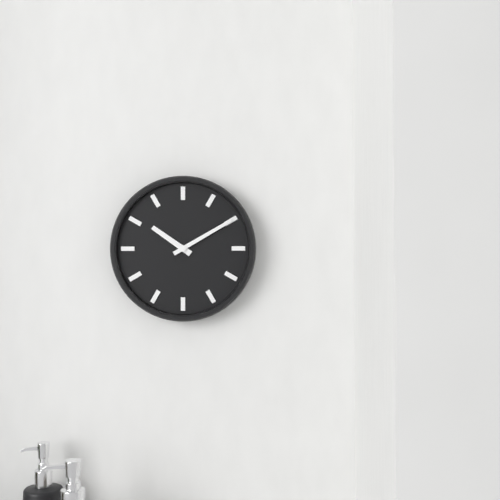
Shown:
h=10 m=10
